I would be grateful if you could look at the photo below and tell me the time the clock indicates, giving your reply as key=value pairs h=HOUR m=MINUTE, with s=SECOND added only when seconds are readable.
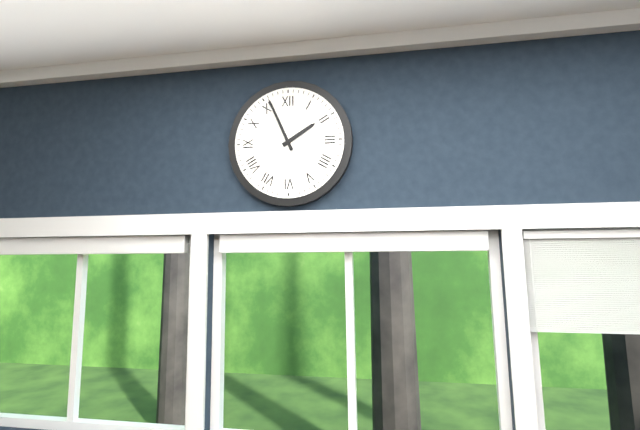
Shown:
h=1 m=56
